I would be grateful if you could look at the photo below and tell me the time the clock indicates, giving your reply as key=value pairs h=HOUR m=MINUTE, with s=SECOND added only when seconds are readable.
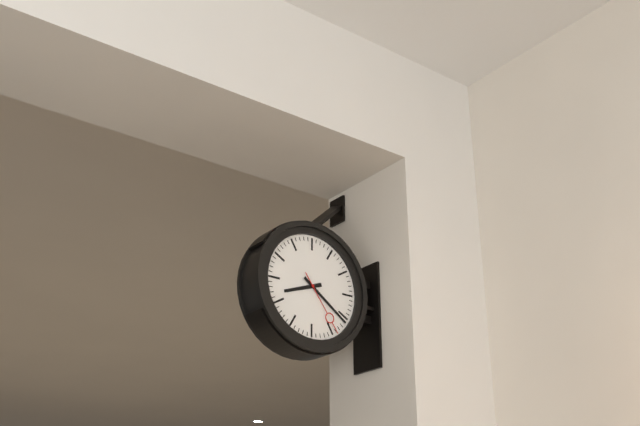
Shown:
h=8 m=21 s=24
